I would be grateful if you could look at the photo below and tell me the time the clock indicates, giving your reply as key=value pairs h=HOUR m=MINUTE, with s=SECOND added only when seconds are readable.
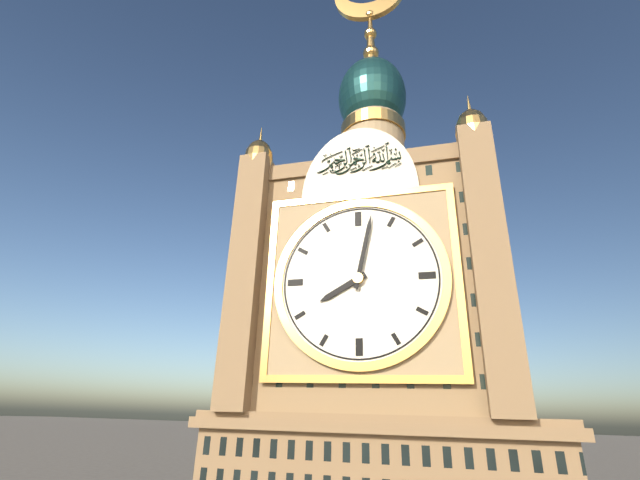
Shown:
h=8 m=2
